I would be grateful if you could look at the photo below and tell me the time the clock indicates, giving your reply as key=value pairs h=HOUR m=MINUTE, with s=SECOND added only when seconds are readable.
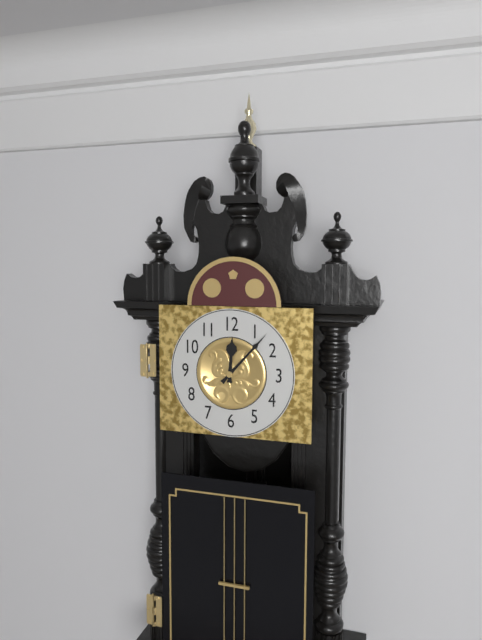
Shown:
h=12 m=7
